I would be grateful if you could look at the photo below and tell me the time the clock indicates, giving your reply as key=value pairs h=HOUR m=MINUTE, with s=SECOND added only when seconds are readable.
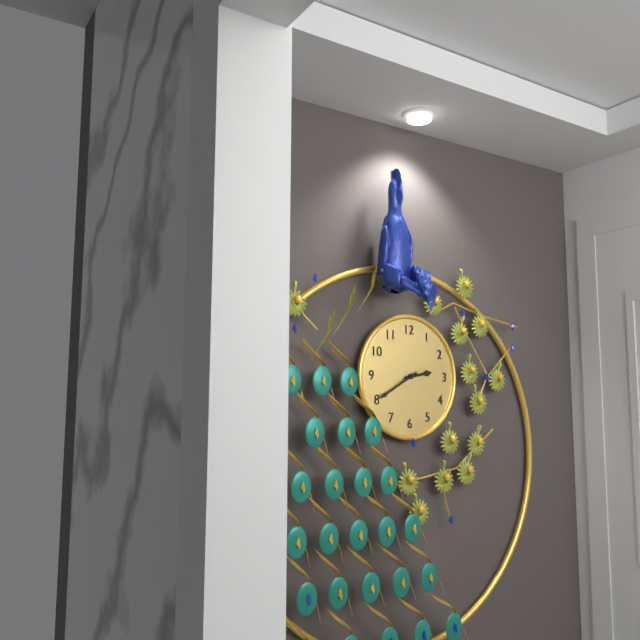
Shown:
h=2 m=40
